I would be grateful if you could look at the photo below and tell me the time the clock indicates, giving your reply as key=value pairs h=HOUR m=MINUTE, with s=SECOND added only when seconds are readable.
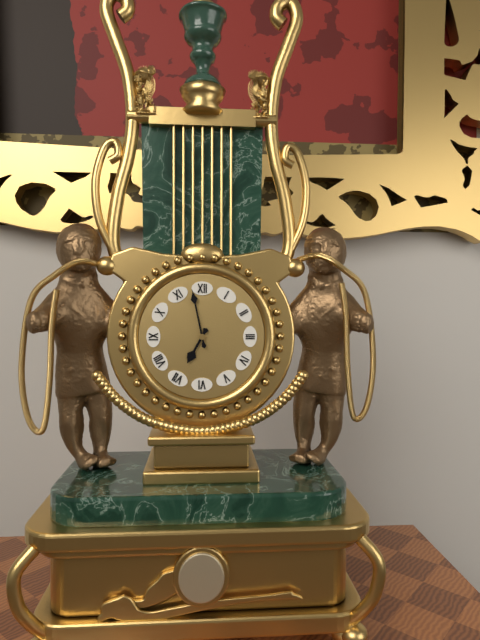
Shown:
h=6 m=58
